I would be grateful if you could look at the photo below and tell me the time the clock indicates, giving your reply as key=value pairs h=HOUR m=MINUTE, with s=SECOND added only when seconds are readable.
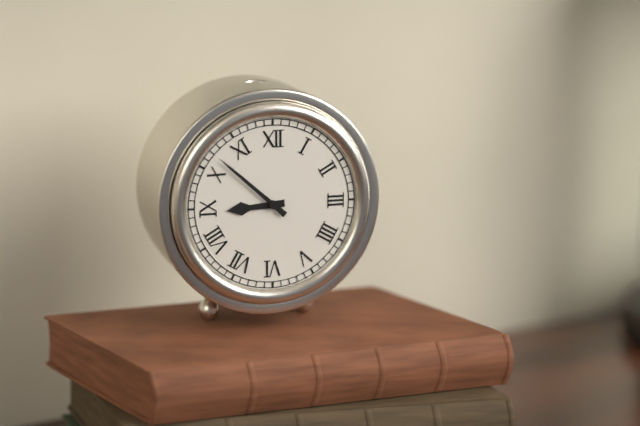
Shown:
h=8 m=52
